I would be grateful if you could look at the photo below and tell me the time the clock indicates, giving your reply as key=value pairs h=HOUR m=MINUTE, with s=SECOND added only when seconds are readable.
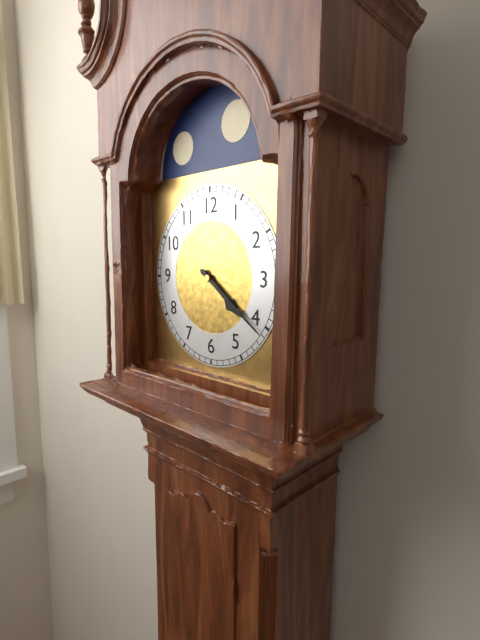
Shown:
h=4 m=21
